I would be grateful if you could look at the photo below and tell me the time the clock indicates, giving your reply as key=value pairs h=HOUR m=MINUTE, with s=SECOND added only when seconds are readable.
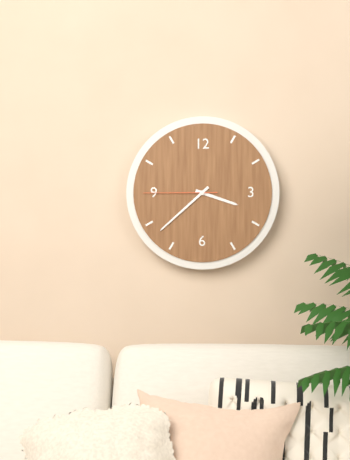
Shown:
h=3 m=38 s=45
